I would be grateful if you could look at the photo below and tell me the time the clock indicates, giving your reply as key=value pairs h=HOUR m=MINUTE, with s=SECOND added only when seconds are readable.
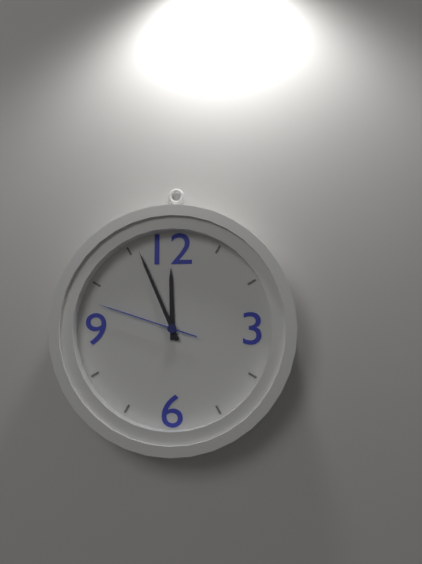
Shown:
h=11 m=56 s=48
